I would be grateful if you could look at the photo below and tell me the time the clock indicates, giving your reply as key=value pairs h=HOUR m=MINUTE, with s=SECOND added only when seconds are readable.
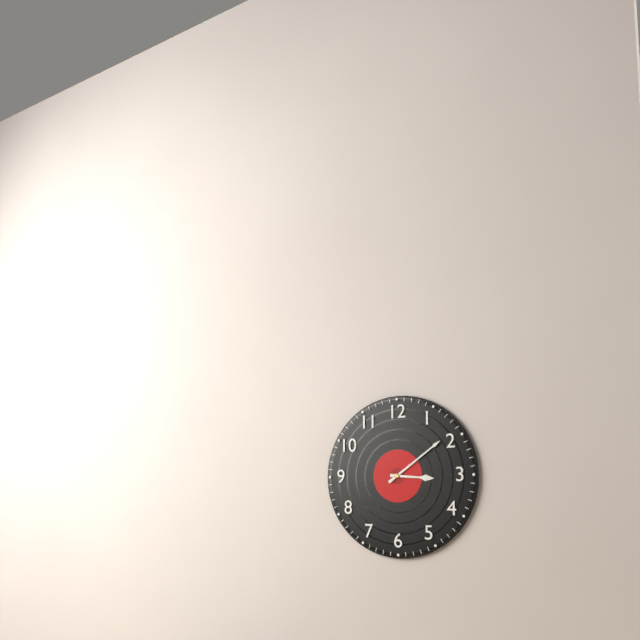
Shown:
h=3 m=9
